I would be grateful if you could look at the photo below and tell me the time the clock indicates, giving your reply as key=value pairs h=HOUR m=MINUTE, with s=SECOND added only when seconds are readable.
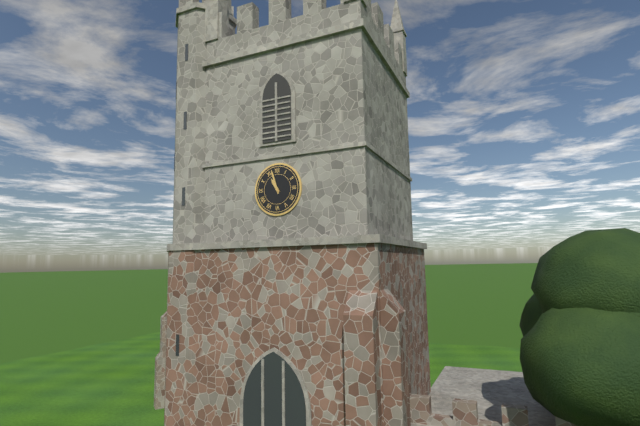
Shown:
h=10 m=57
